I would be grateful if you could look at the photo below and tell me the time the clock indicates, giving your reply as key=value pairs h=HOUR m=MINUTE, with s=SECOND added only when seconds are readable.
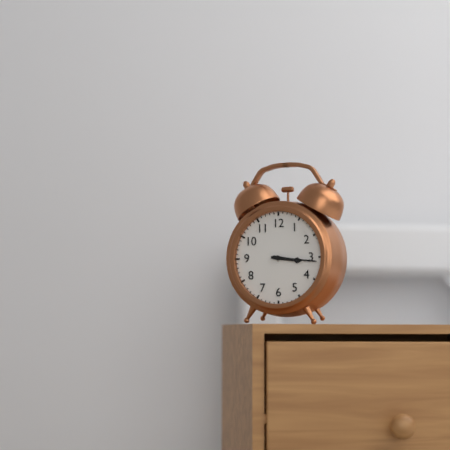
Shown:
h=3 m=16
